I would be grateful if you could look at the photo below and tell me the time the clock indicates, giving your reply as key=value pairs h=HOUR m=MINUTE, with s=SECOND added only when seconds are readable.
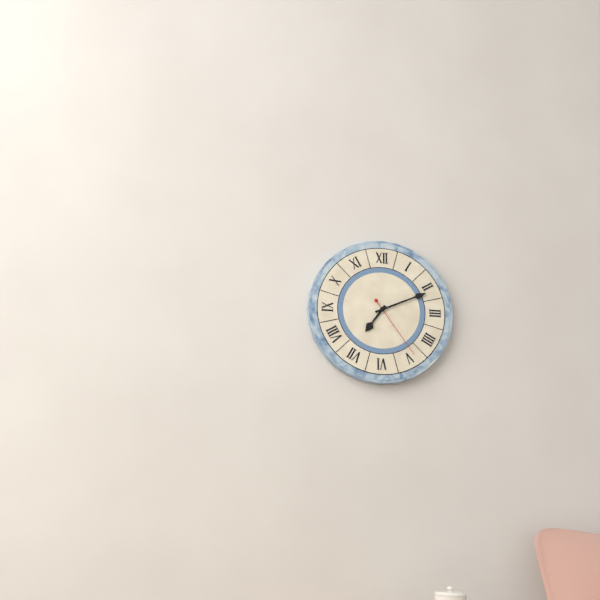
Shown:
h=7 m=11 s=24
